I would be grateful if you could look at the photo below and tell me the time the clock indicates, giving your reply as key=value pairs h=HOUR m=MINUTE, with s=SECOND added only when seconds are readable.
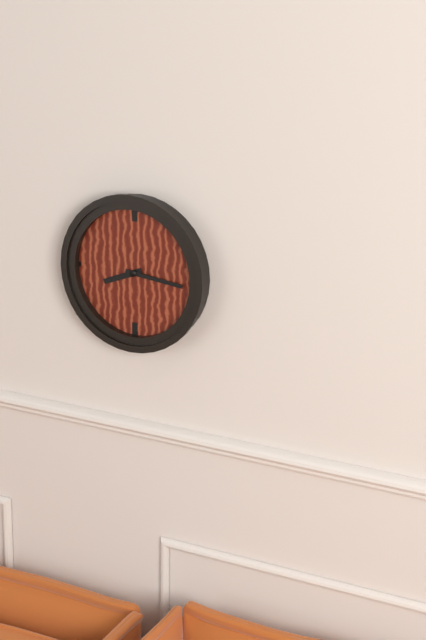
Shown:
h=8 m=16
